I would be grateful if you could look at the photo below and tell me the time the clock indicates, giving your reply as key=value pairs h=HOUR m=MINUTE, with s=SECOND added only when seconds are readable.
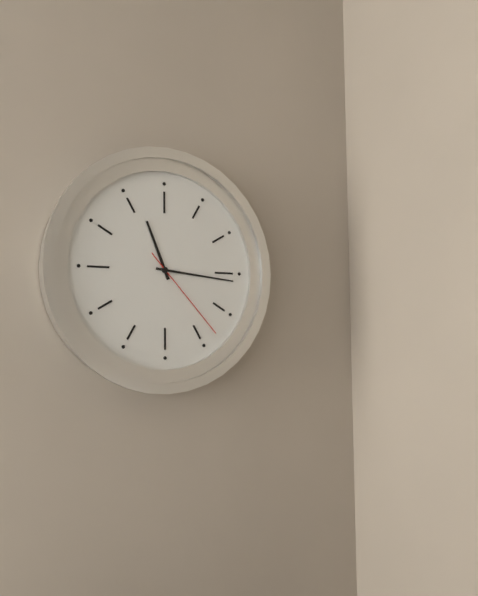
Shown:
h=11 m=16 s=23
